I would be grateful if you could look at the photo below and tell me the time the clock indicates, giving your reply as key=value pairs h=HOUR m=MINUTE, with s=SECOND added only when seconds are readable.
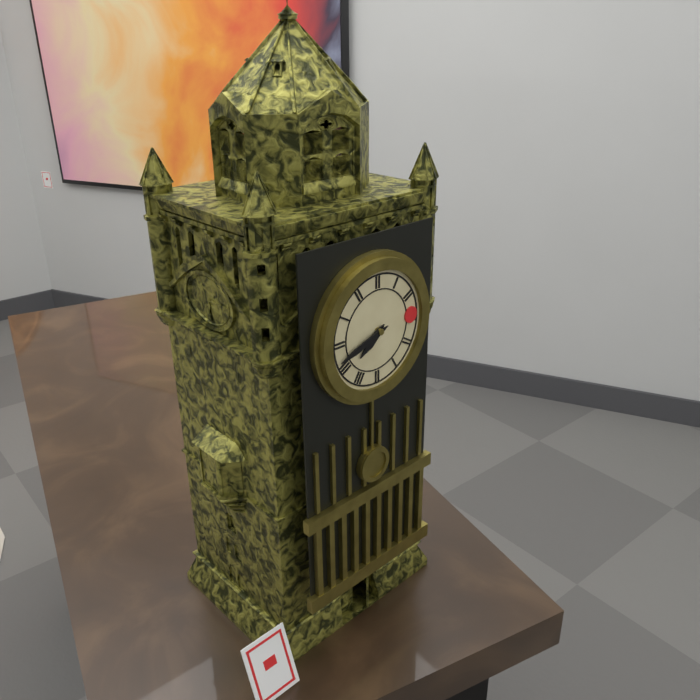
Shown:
h=7 m=42
